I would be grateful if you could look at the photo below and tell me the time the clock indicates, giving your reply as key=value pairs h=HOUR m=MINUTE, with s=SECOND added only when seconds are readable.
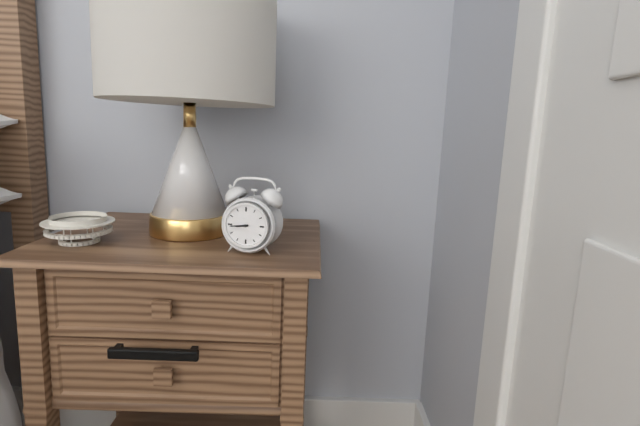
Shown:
h=8 m=44
